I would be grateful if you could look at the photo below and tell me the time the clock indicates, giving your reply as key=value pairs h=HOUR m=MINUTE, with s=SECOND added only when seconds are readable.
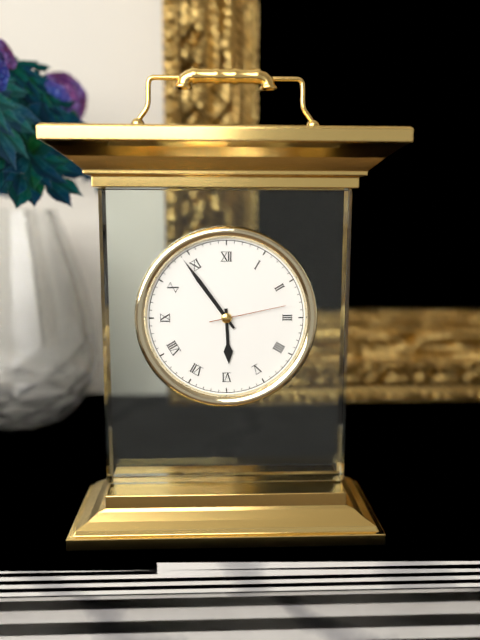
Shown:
h=5 m=54 s=13
